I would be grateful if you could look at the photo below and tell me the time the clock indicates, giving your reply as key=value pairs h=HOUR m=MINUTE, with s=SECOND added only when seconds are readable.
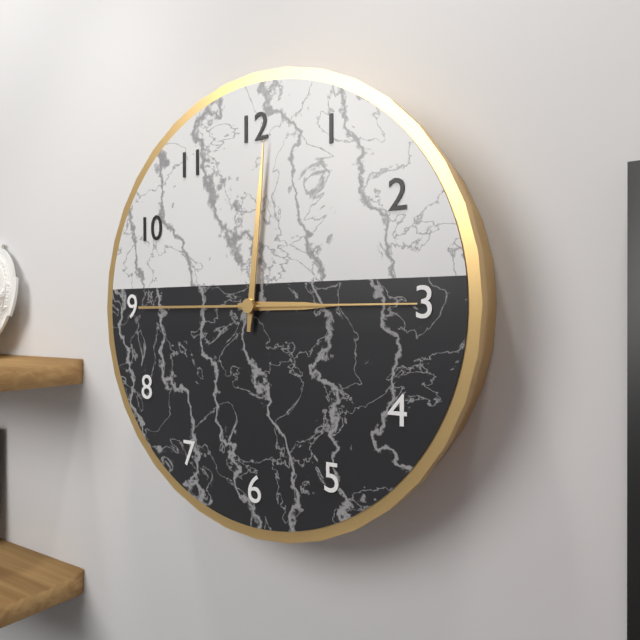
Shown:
h=3 m=1 s=15
